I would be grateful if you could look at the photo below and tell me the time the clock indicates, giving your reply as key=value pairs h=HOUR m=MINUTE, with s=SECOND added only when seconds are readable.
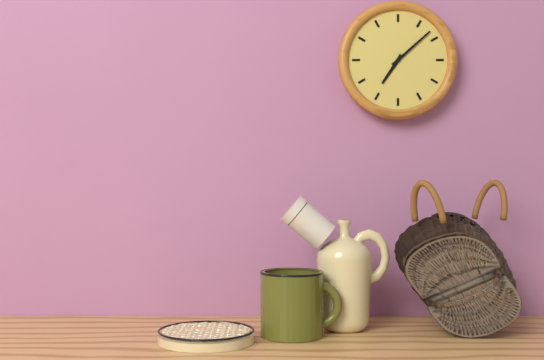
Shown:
h=7 m=8
